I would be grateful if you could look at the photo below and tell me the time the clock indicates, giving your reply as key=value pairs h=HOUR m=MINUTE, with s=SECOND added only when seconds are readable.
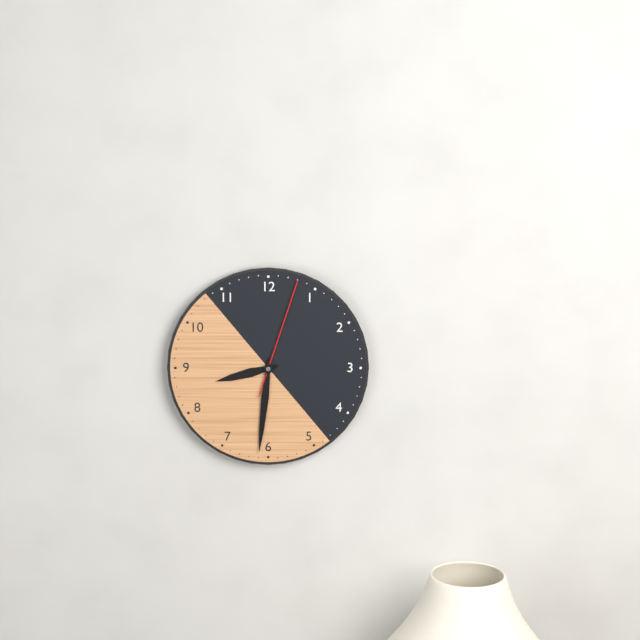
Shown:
h=8 m=31 s=3
